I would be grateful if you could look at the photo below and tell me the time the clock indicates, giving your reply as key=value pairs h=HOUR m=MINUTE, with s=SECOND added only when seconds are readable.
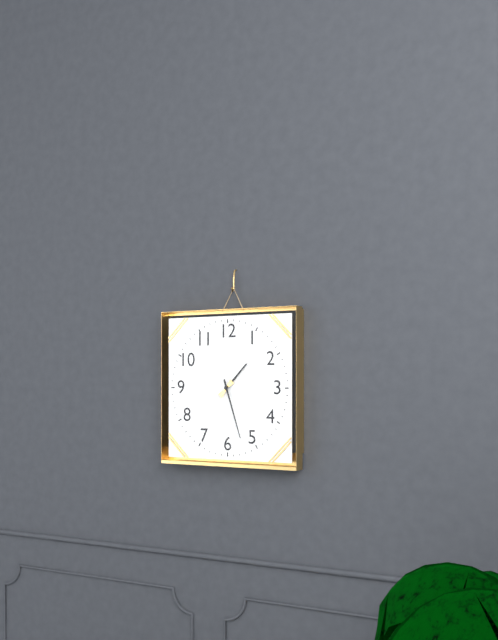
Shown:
h=1 m=27
